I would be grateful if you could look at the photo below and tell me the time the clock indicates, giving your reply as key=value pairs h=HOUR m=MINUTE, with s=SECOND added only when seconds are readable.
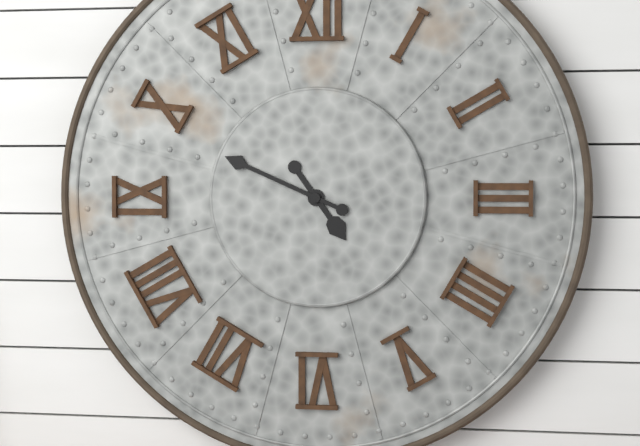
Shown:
h=4 m=49
